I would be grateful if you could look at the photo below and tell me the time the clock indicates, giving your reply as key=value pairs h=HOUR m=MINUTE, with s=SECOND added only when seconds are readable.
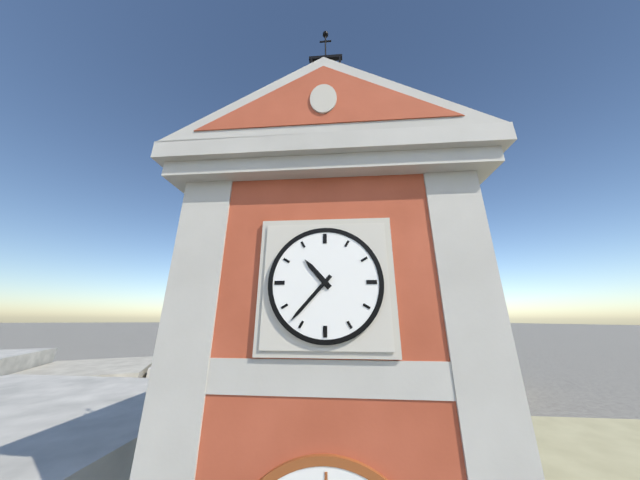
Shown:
h=10 m=37
